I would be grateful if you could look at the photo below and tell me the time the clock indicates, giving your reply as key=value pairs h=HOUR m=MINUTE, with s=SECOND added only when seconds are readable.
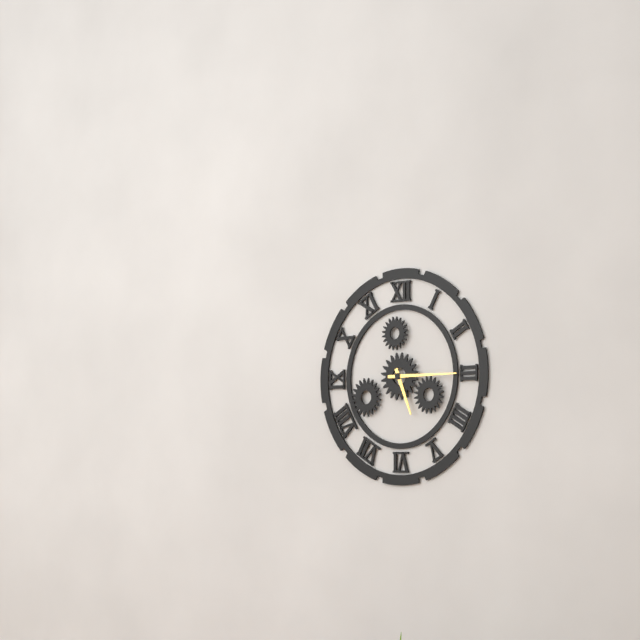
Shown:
h=5 m=15
